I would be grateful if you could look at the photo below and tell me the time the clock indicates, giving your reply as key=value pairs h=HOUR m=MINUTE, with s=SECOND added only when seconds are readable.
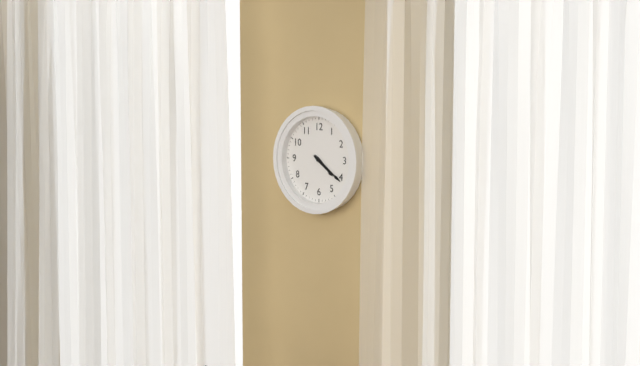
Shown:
h=4 m=21
